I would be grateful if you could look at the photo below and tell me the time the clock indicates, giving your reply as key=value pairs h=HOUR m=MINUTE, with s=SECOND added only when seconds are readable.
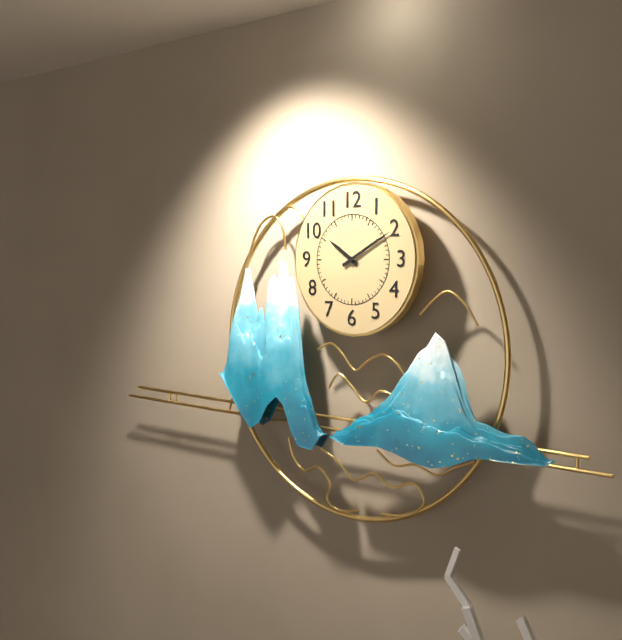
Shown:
h=10 m=10
